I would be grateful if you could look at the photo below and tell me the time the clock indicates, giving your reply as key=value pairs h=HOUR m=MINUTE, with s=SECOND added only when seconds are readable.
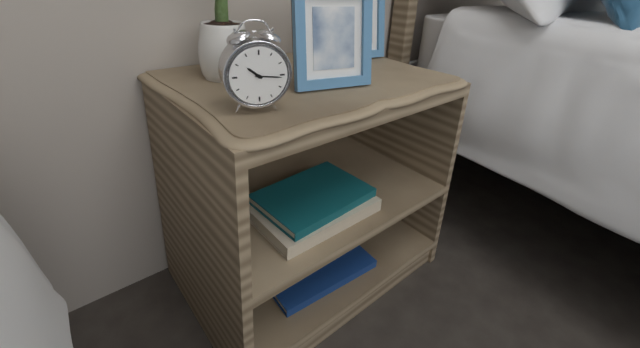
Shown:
h=10 m=16
